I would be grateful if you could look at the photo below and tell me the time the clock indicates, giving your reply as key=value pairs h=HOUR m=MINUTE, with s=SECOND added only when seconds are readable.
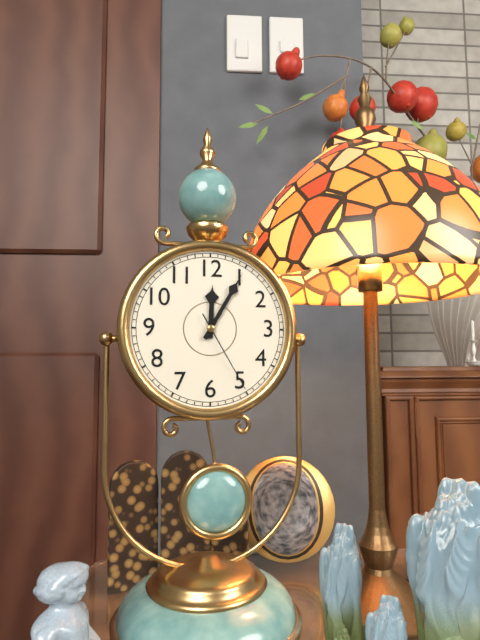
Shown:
h=12 m=5 s=25
